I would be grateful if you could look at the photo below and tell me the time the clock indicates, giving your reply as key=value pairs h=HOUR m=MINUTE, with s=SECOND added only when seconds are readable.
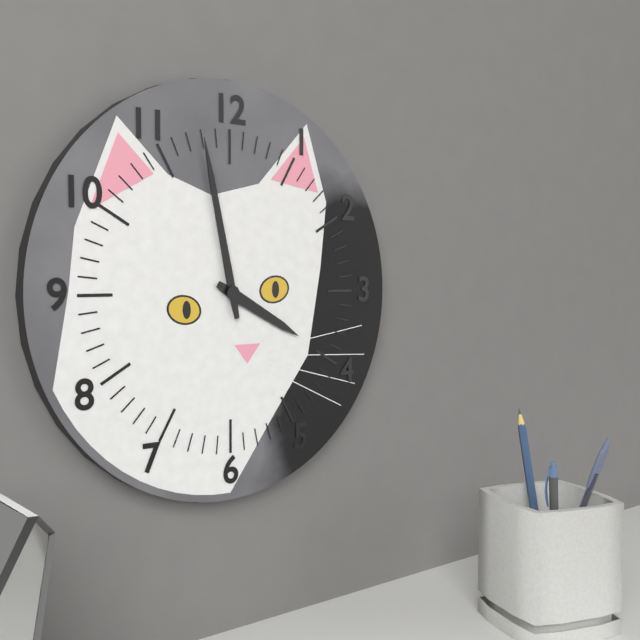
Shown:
h=3 m=58
